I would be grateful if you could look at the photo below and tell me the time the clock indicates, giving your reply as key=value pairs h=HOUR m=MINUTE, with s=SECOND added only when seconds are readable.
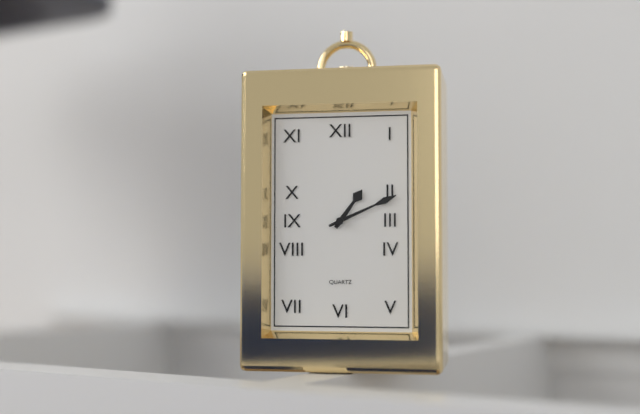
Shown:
h=1 m=11
